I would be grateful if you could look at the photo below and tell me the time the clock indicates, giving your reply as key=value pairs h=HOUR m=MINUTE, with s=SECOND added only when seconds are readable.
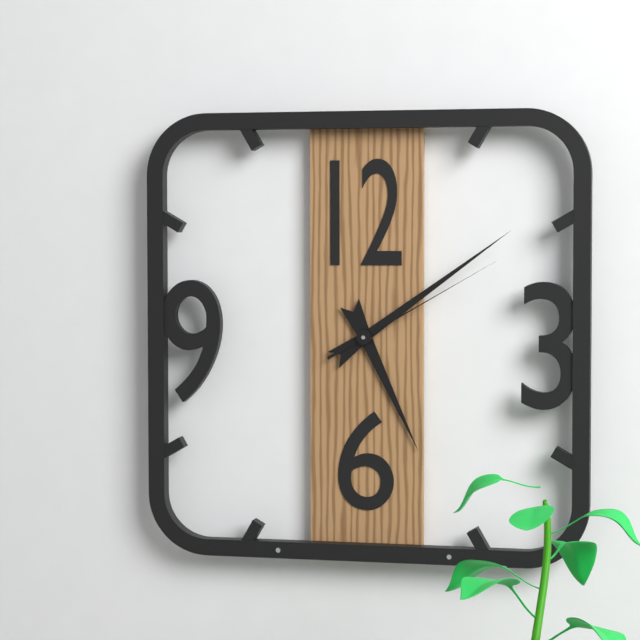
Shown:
h=5 m=9 s=10
